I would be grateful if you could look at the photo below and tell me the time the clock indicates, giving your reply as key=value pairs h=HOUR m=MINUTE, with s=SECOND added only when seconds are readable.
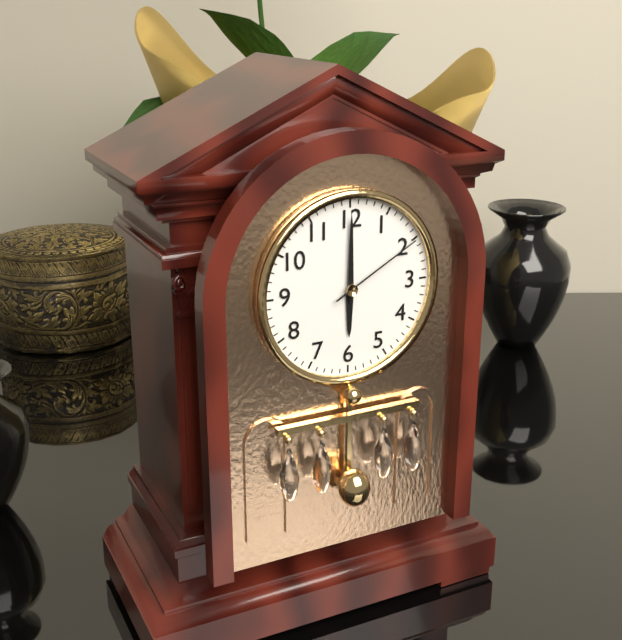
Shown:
h=6 m=0 s=10
